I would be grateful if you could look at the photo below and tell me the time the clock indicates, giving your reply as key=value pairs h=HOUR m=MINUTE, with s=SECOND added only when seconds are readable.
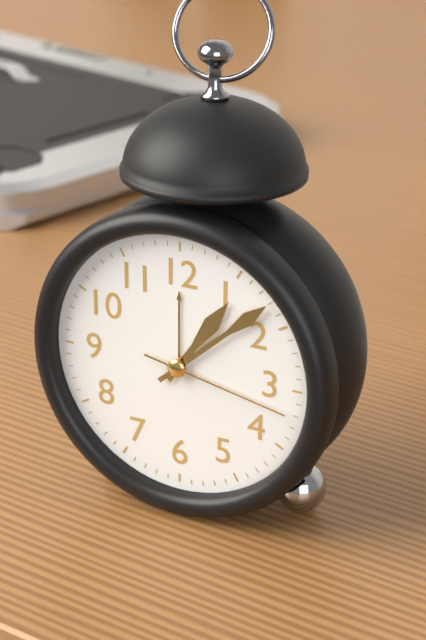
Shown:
h=1 m=8 s=17
